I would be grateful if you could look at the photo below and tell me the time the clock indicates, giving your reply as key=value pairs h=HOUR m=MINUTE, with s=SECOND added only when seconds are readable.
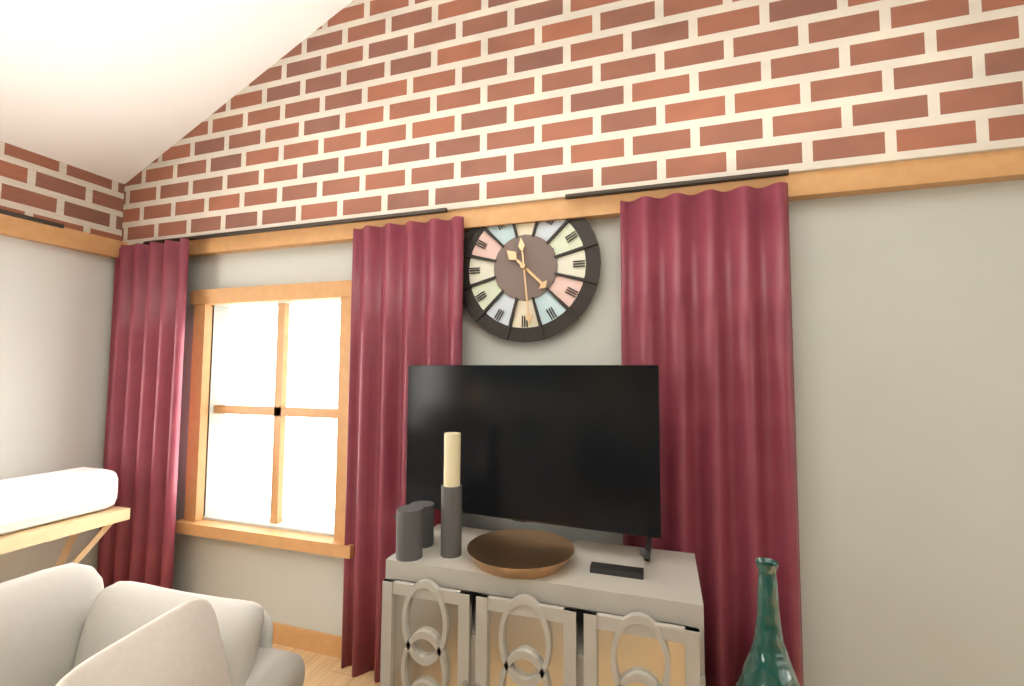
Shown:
h=4 m=29
